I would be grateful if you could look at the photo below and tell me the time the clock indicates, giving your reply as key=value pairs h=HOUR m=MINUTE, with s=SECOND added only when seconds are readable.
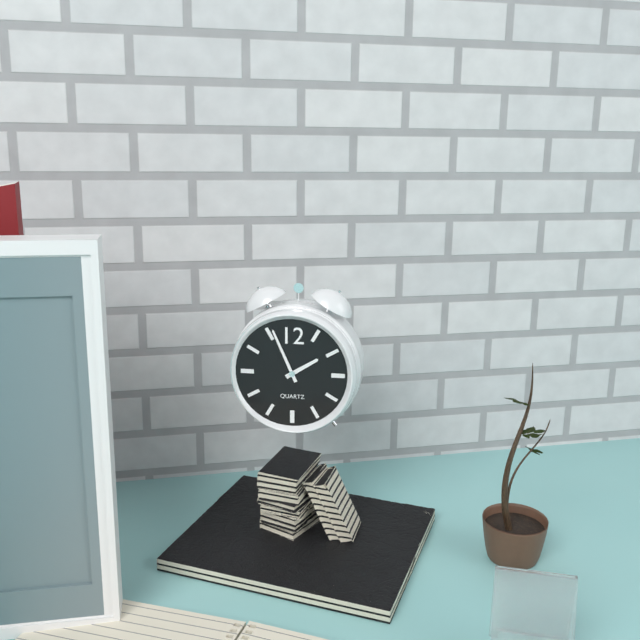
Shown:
h=1 m=56
